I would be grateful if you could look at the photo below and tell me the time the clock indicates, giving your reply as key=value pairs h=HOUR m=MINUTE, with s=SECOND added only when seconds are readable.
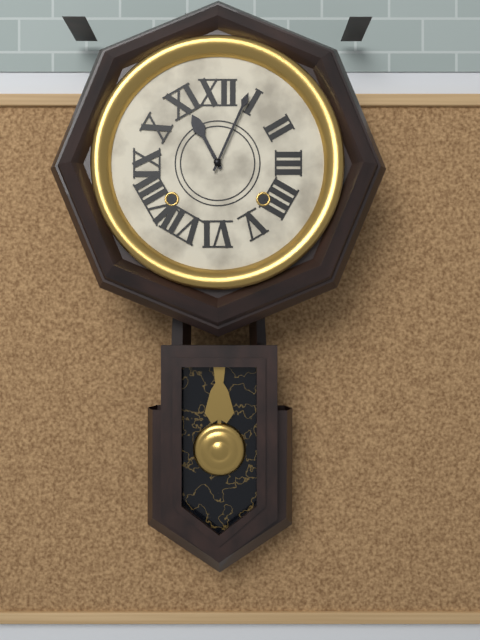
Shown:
h=11 m=4
